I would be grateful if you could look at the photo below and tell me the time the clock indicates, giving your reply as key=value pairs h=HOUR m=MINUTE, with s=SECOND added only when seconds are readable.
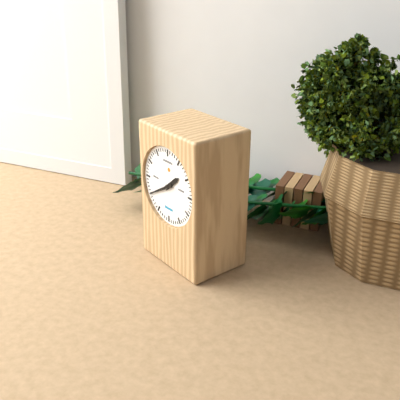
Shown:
h=1 m=40
